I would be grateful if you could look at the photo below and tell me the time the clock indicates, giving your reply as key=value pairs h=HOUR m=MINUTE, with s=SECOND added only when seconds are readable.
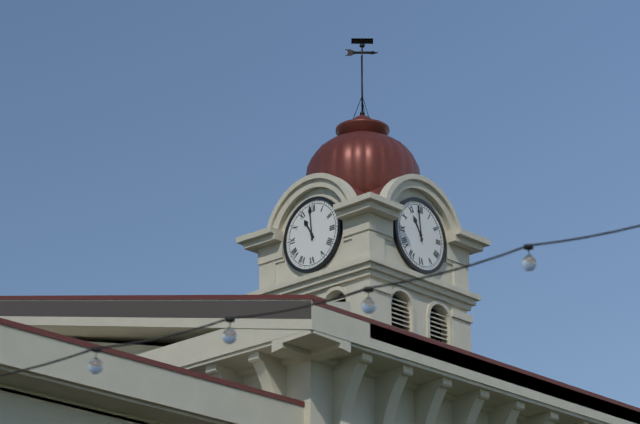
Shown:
h=10 m=59
